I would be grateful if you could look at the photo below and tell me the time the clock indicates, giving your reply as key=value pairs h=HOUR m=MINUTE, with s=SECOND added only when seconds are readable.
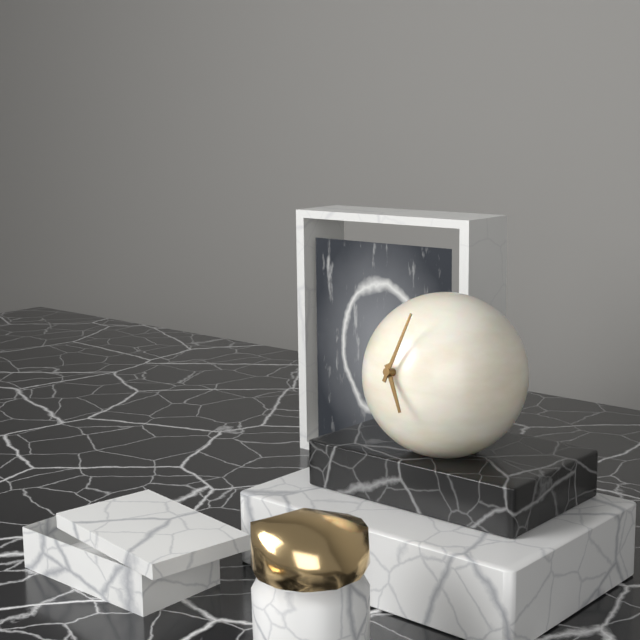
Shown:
h=5 m=3
